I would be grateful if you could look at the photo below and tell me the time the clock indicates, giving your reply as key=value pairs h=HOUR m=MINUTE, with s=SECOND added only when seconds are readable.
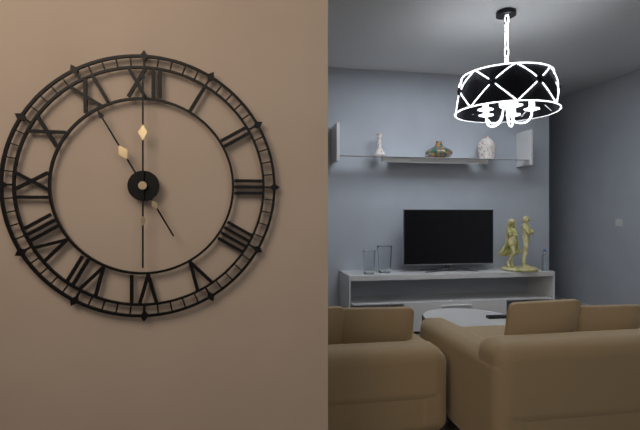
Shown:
h=11 m=0
